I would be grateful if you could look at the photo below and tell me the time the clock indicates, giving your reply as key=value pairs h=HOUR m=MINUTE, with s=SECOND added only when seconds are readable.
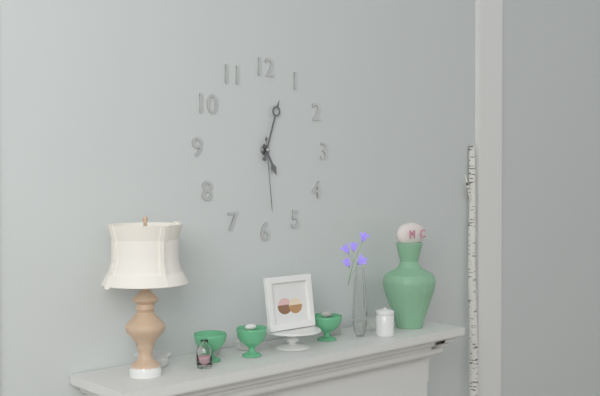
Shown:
h=5 m=3 s=29
